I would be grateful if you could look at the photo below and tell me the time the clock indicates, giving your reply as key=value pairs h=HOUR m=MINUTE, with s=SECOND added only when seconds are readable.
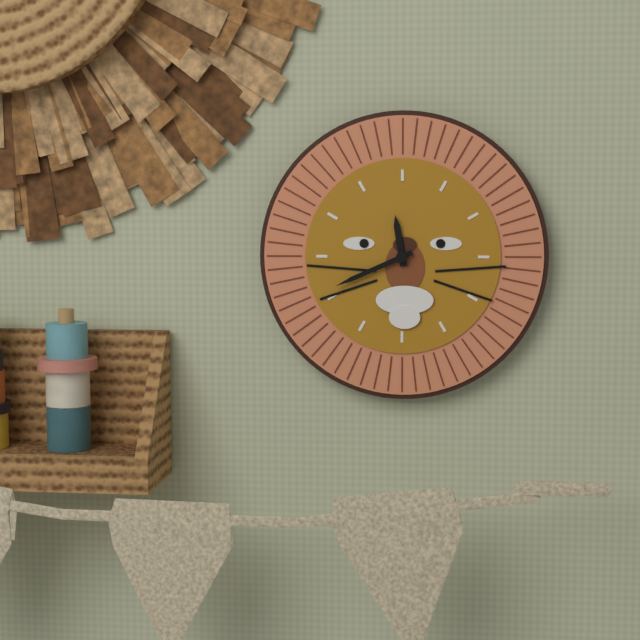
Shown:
h=11 m=41
